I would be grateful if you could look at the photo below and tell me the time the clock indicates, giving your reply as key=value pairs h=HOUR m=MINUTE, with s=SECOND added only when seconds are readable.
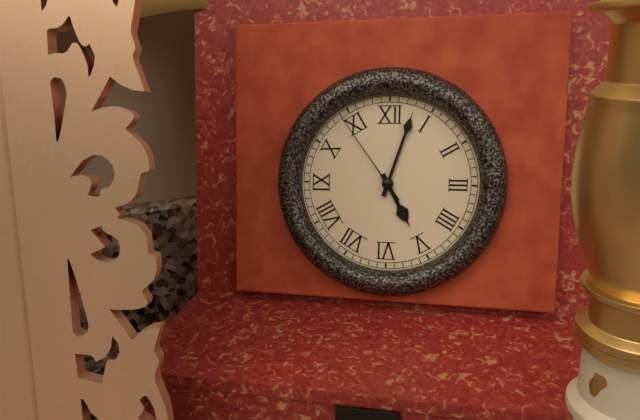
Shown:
h=5 m=3 s=54
